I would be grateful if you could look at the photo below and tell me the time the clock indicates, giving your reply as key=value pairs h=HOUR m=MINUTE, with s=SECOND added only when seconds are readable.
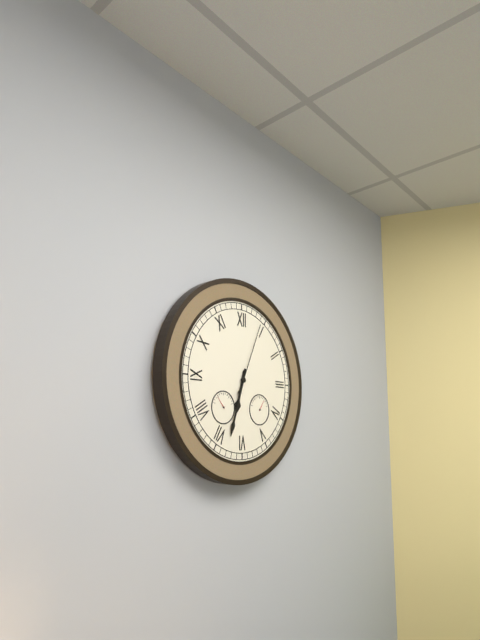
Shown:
h=6 m=33 s=4
